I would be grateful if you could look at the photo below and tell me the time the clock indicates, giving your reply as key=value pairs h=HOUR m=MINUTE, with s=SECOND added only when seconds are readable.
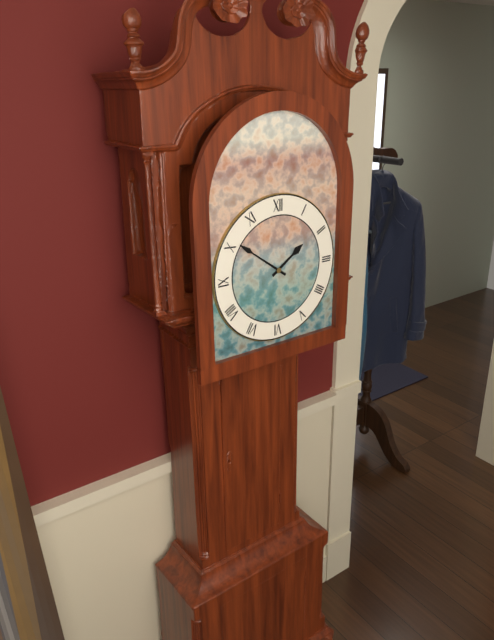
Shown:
h=1 m=51
